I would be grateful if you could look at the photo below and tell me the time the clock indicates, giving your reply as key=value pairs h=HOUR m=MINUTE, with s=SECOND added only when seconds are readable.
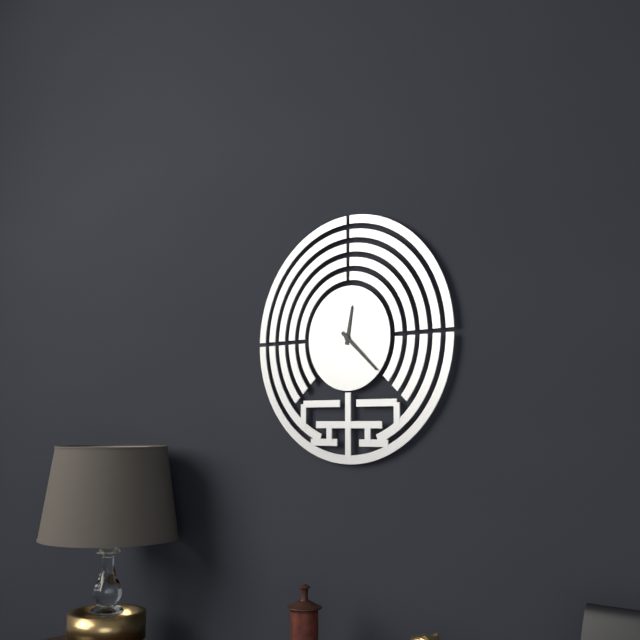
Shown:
h=12 m=22
